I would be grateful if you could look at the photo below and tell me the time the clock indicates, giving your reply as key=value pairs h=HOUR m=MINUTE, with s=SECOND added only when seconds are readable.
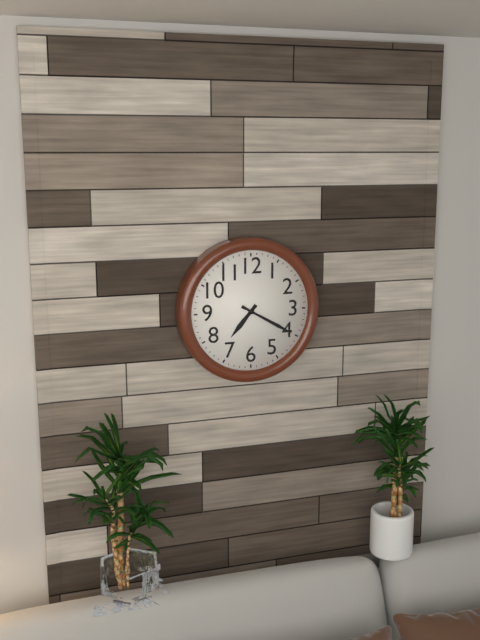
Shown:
h=7 m=20
